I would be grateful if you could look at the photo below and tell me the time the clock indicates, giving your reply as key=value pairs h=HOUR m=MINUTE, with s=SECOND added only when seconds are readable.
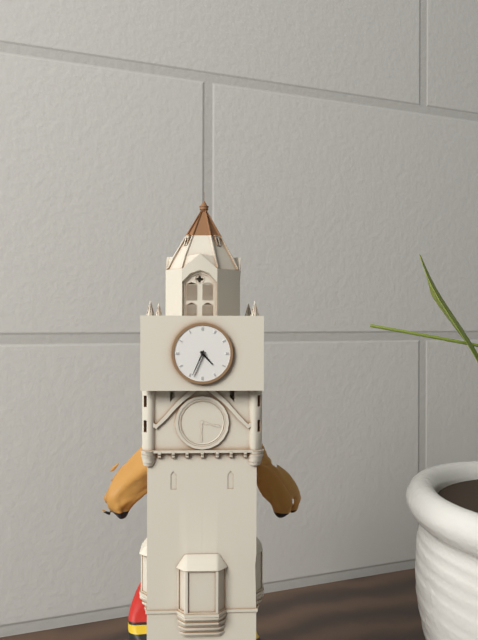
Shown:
h=4 m=34
